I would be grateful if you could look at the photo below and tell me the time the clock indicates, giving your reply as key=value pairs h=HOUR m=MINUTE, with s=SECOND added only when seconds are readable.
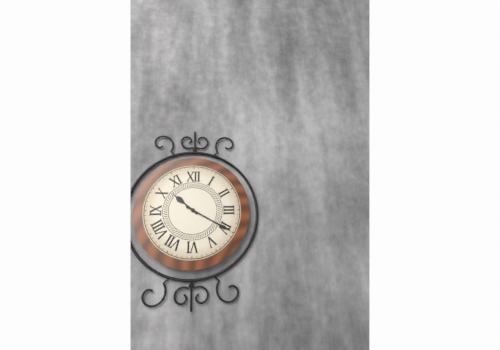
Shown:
h=10 m=20
